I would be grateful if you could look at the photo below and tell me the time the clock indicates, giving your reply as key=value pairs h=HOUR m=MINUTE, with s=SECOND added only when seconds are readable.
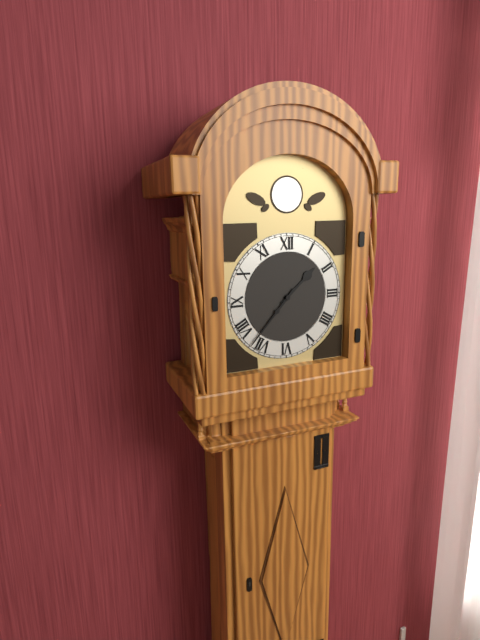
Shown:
h=1 m=37
